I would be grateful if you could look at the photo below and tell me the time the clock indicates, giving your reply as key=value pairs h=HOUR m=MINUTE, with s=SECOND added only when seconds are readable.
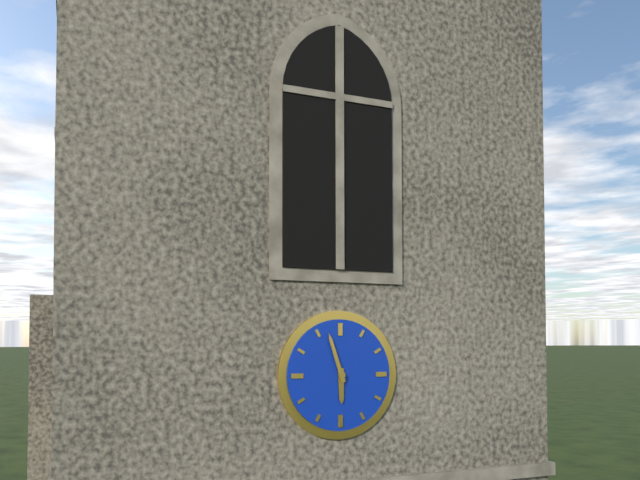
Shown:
h=5 m=57
